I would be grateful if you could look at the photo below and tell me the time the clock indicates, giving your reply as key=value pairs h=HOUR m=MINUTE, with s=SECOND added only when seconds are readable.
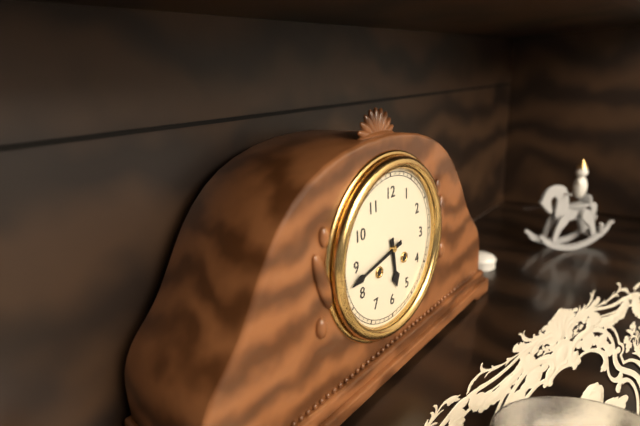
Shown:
h=5 m=43
